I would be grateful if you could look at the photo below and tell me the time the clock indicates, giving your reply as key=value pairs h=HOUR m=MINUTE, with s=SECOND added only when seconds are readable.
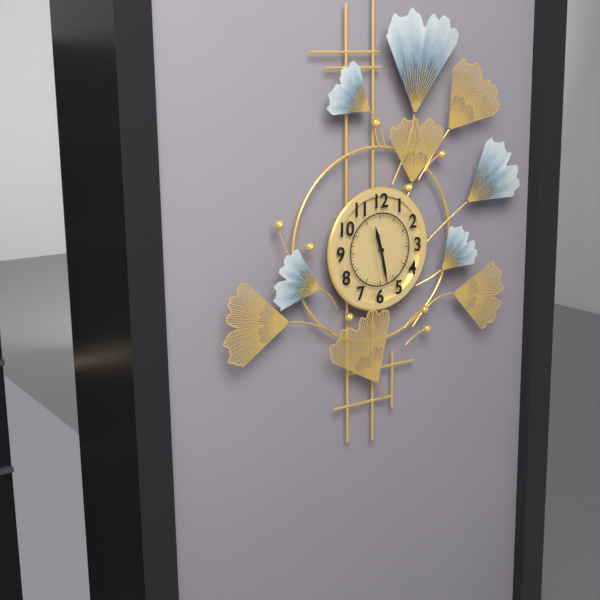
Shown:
h=11 m=28
